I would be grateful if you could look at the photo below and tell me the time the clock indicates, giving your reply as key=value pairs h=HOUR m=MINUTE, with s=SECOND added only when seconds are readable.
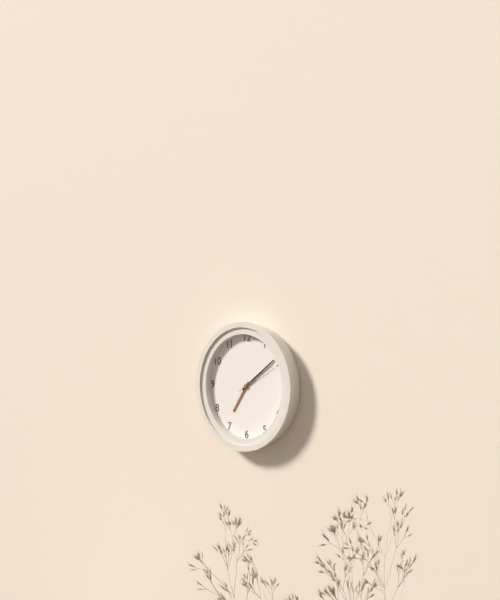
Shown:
h=7 m=9
